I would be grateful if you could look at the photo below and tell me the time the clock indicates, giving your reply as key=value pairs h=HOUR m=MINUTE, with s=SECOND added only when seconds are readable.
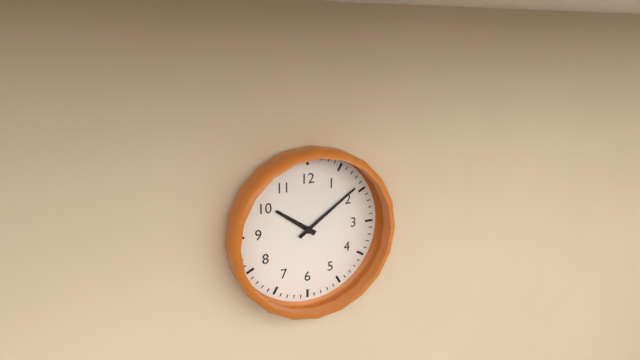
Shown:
h=10 m=9
